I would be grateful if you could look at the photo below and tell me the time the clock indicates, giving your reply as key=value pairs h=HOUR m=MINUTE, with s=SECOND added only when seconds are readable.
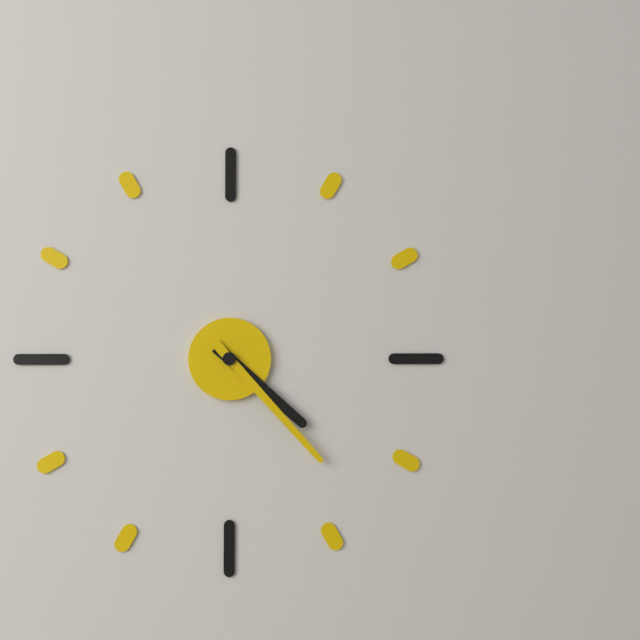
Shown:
h=4 m=23
